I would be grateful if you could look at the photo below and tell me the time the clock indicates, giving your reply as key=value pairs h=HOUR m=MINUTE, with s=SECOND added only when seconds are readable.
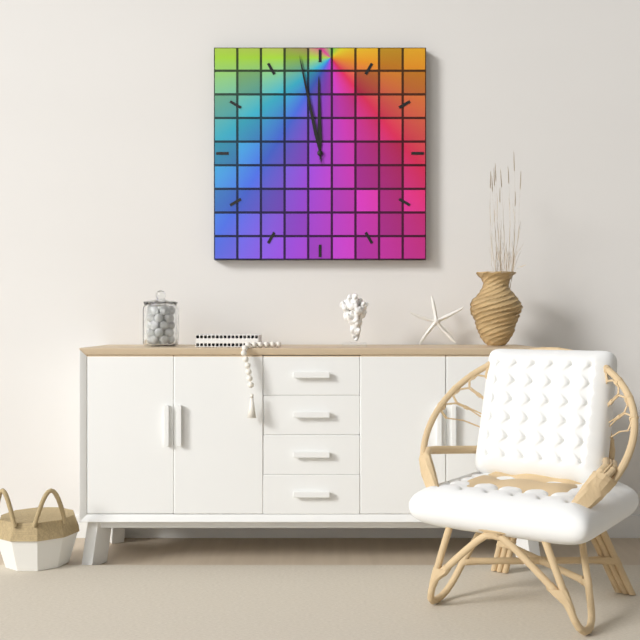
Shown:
h=11 m=58
